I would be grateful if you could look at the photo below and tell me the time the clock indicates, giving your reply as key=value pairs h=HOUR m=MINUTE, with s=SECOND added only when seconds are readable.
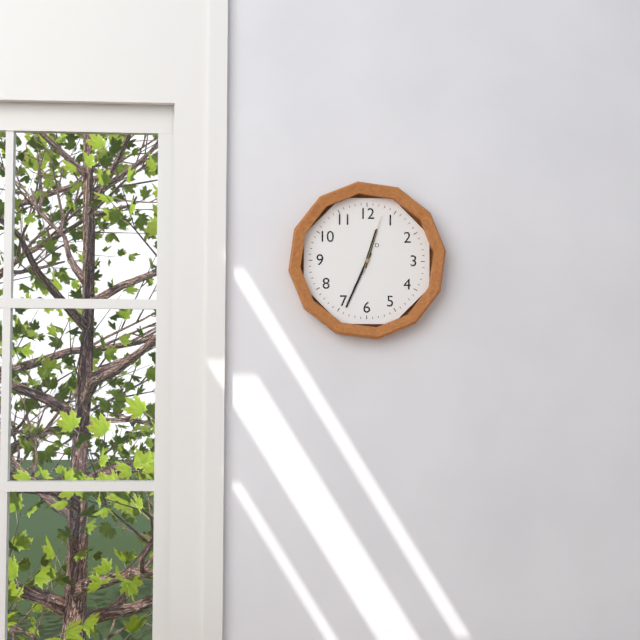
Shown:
h=12 m=34 s=3
